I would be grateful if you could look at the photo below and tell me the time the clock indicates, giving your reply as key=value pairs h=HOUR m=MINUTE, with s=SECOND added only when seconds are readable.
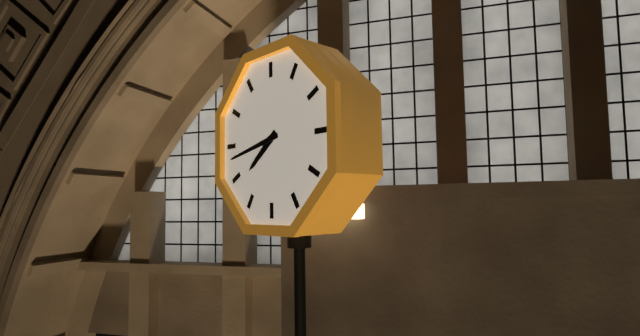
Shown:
h=7 m=43
